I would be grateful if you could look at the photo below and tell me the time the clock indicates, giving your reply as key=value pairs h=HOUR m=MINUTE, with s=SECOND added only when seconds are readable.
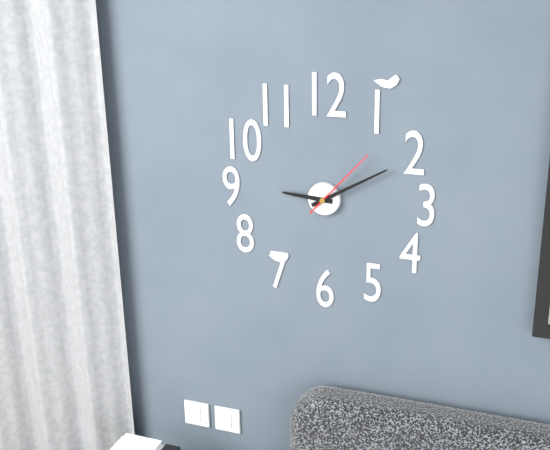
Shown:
h=9 m=10 s=7
